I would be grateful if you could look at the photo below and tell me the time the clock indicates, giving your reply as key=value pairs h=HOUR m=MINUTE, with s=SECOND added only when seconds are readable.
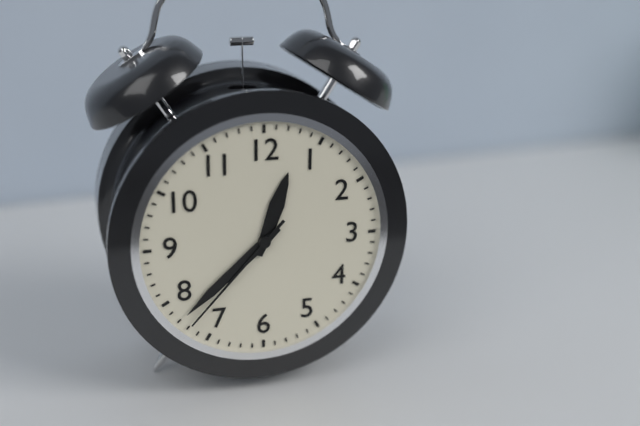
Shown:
h=12 m=38 s=37
